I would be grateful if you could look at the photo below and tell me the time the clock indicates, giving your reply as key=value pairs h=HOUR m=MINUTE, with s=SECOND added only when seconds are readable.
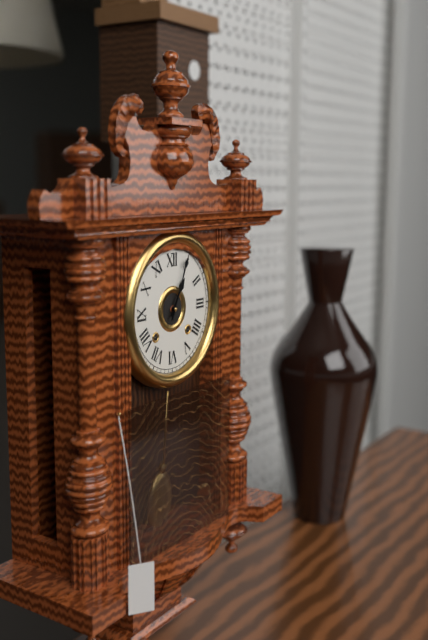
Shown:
h=1 m=4
